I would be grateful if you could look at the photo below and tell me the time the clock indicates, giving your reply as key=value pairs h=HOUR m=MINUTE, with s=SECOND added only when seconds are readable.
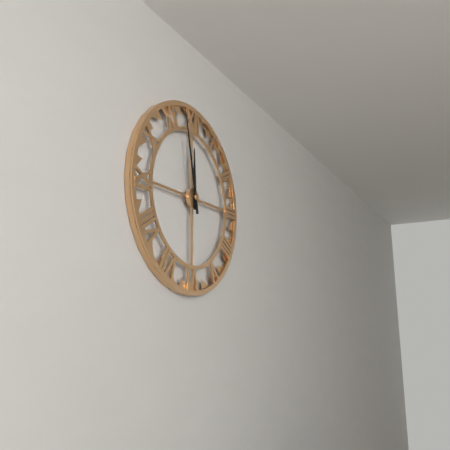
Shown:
h=11 m=58
